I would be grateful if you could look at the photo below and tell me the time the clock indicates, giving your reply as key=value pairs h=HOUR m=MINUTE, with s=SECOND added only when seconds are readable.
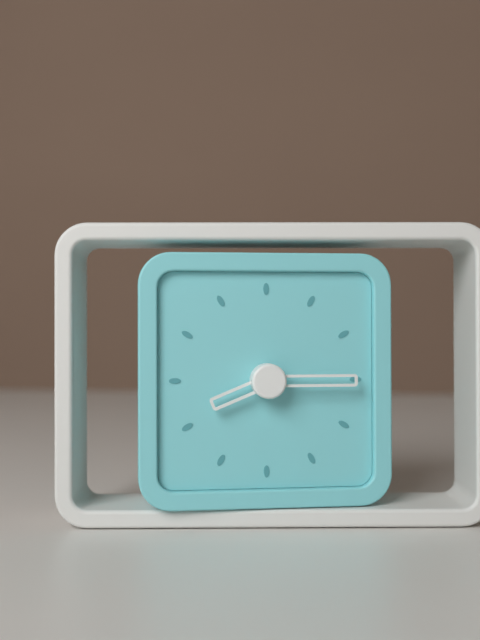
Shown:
h=8 m=15
